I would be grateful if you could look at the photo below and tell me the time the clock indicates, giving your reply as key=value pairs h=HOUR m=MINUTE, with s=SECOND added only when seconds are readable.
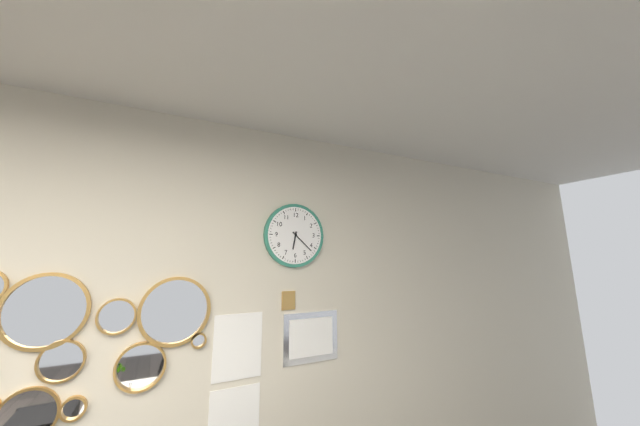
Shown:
h=6 m=22
